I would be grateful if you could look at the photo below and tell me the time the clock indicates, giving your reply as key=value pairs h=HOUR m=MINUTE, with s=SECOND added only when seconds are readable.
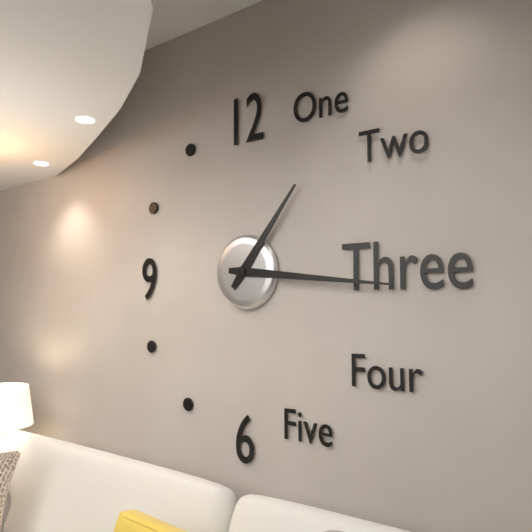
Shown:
h=1 m=16
